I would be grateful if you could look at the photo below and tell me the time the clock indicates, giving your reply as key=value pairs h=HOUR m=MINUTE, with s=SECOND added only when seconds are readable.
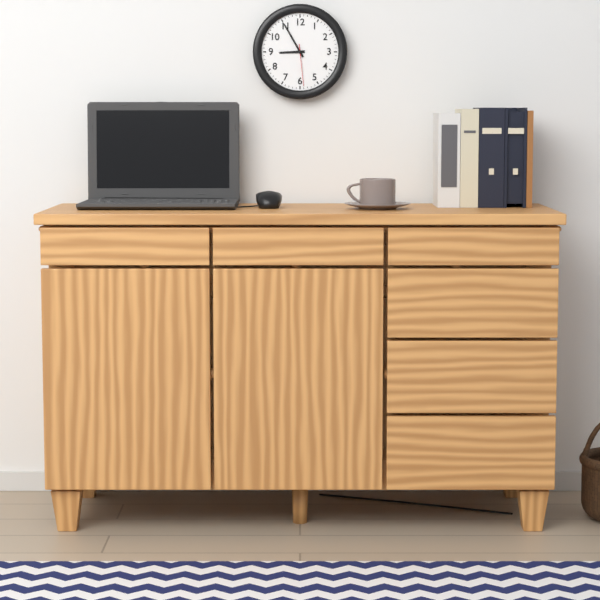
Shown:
h=8 m=55
